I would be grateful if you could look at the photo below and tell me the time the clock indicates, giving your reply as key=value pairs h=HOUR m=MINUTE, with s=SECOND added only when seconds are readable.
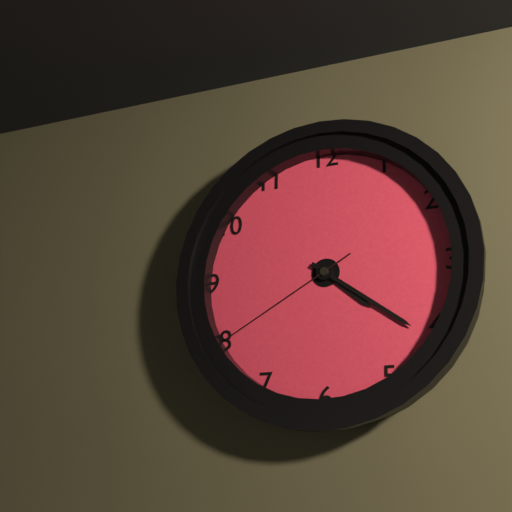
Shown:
h=4 m=21 s=40
